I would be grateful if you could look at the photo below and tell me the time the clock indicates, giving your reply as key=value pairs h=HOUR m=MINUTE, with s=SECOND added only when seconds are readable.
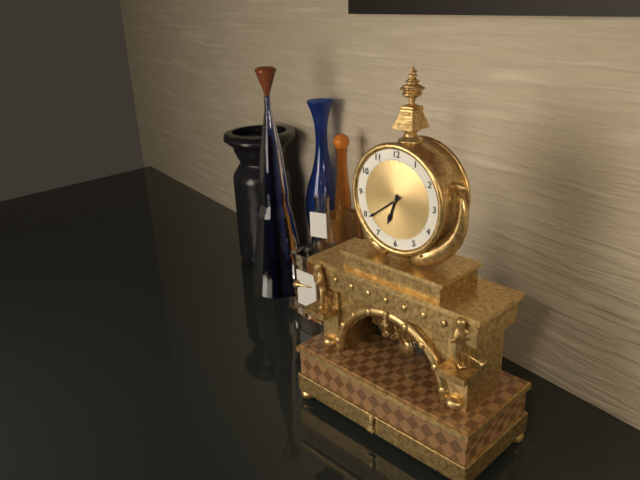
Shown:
h=6 m=39
